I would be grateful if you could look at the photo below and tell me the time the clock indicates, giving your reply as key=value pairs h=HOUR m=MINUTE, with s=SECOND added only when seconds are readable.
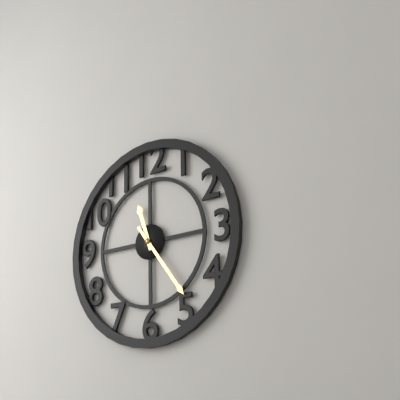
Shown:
h=11 m=24
